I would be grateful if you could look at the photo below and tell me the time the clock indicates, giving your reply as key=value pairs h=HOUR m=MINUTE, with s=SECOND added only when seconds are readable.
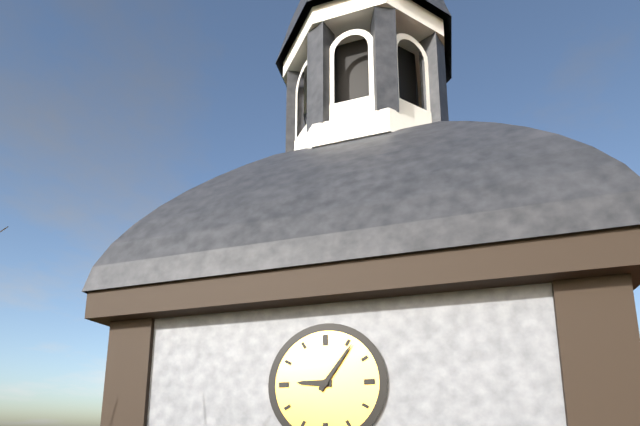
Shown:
h=9 m=6
